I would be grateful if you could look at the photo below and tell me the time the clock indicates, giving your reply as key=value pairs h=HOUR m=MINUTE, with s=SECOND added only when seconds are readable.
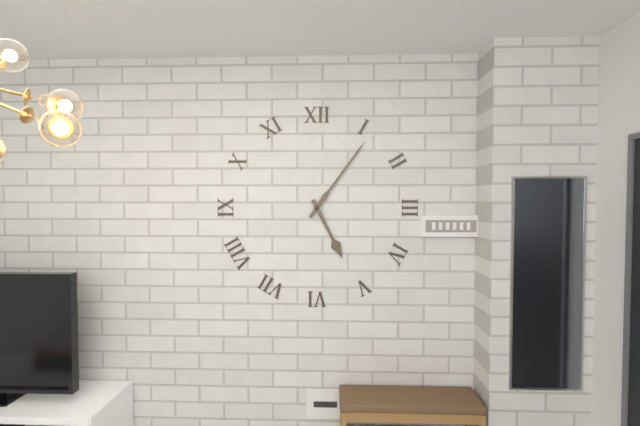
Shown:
h=5 m=6
